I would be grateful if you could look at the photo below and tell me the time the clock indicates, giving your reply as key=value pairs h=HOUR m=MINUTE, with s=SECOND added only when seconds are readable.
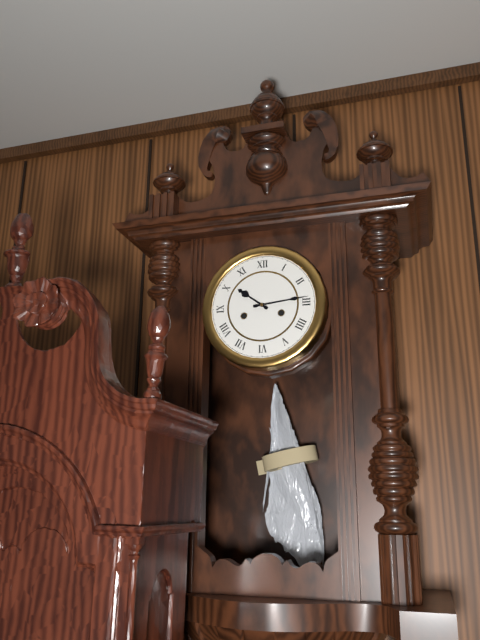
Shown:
h=10 m=14
